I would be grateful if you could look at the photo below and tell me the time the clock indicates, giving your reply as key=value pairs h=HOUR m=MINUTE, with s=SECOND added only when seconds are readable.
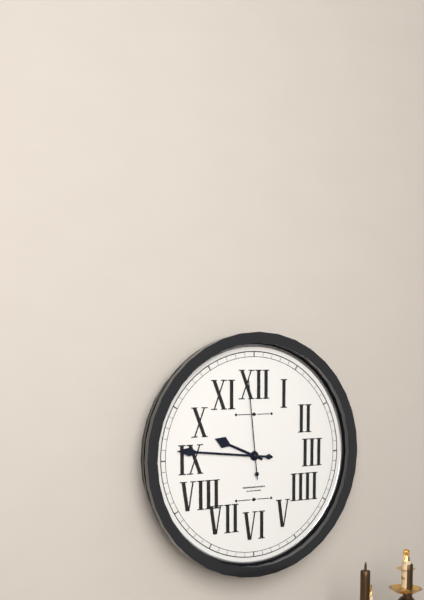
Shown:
h=9 m=46 s=59
